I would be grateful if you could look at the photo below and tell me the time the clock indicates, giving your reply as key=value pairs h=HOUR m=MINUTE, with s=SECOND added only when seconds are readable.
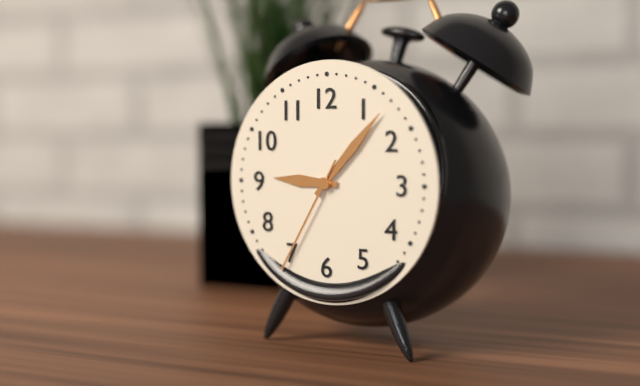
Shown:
h=9 m=7 s=35
